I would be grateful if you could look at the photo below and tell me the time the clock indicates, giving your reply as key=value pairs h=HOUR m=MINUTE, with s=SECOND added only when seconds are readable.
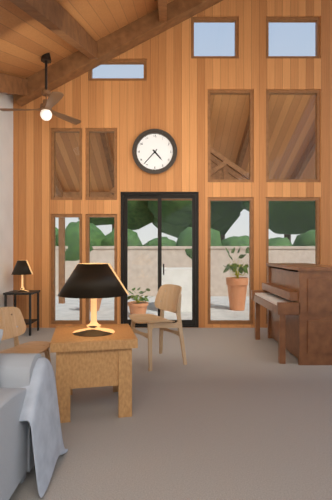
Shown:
h=4 m=37
